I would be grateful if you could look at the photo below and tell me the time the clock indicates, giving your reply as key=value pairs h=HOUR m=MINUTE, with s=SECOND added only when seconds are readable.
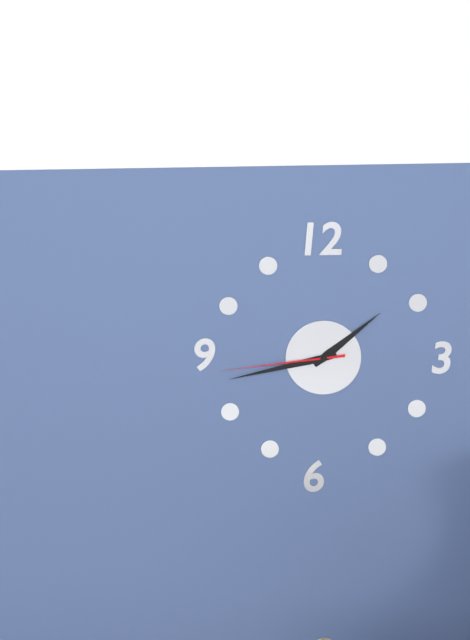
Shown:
h=1 m=43 s=44
